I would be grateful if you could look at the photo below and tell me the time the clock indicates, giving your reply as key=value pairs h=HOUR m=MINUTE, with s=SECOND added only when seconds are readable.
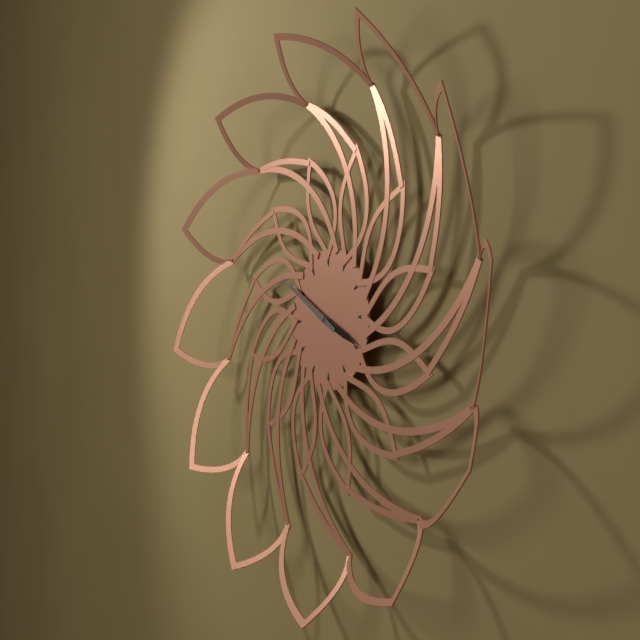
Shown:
h=3 m=50
